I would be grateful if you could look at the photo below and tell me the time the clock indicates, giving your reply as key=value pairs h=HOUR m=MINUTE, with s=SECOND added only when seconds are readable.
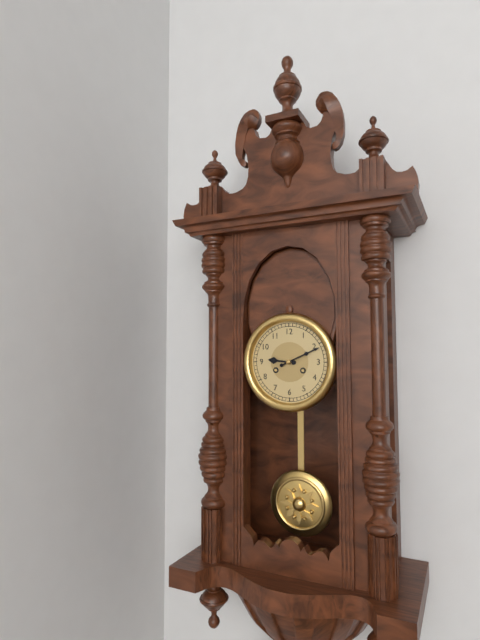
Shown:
h=9 m=11
